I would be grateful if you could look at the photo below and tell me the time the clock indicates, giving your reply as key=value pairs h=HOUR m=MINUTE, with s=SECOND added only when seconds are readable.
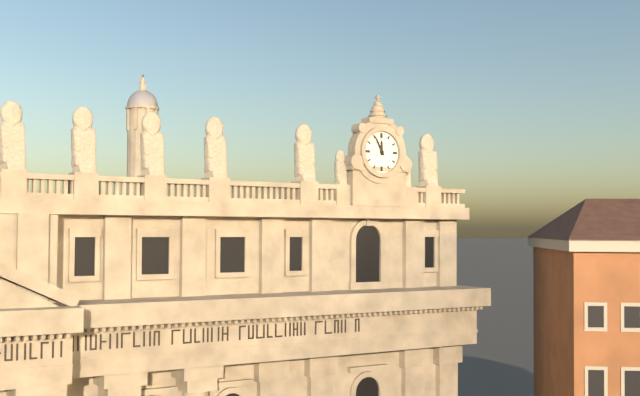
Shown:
h=11 m=55
